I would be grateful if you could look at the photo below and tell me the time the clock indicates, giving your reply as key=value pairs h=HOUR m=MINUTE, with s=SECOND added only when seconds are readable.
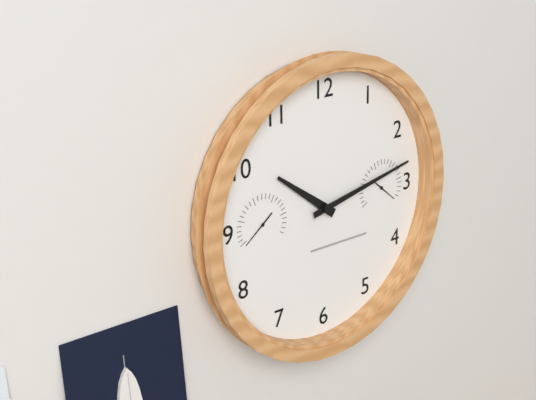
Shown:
h=10 m=13
